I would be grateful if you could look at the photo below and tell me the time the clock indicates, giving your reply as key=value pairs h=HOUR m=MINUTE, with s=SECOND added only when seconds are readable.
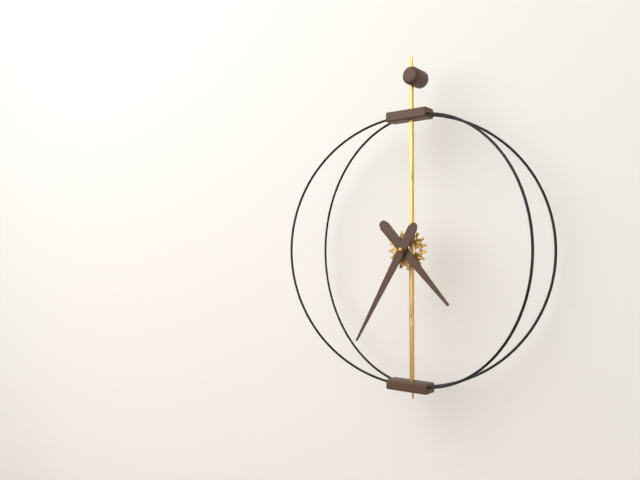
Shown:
h=4 m=35
